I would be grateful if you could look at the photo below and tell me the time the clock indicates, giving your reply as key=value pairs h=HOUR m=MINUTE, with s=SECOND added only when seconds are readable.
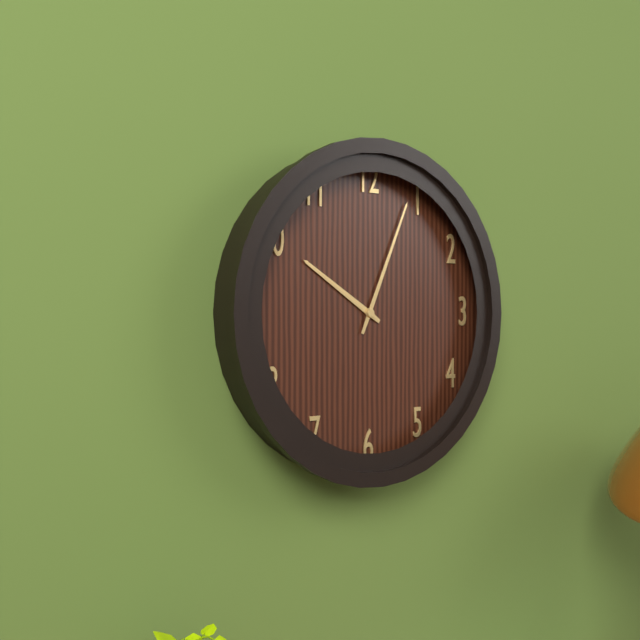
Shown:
h=10 m=4
